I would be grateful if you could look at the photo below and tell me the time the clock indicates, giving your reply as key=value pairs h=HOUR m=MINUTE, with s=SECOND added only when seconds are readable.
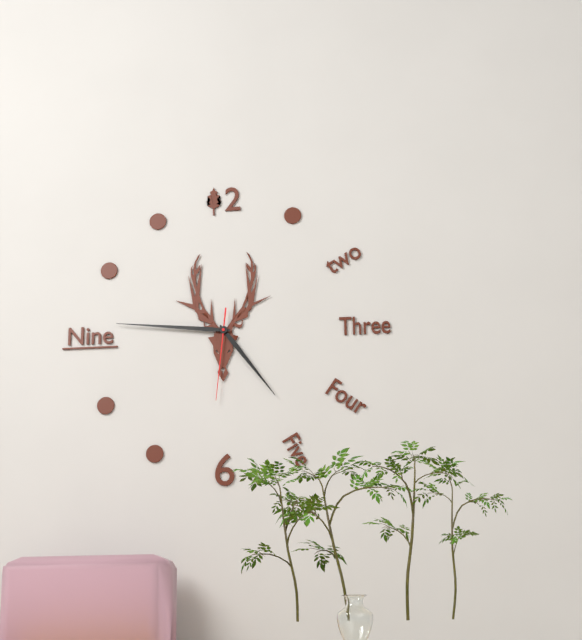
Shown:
h=4 m=46 s=31
